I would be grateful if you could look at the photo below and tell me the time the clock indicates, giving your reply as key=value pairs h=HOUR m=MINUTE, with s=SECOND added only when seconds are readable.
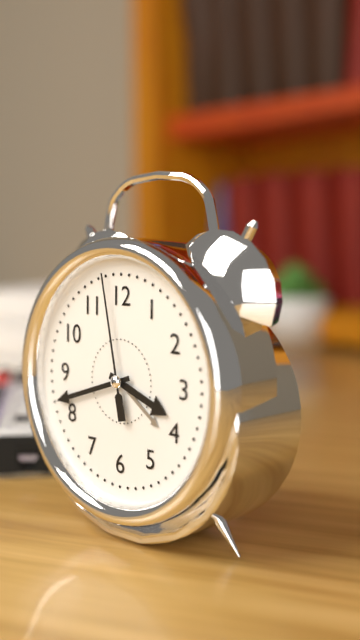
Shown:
h=3 m=42 s=58
